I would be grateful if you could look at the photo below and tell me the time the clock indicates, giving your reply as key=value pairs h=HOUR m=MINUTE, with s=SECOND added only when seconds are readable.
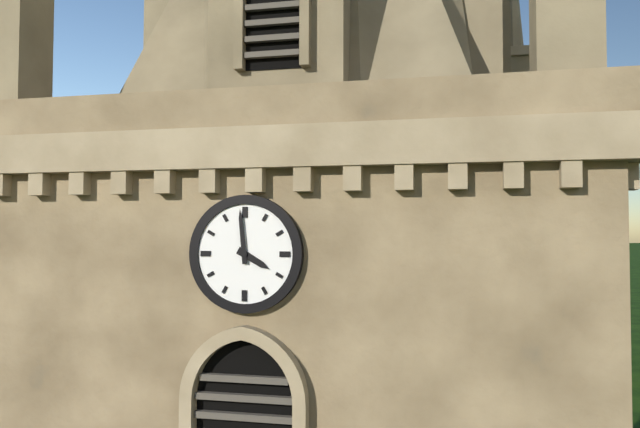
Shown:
h=3 m=59
